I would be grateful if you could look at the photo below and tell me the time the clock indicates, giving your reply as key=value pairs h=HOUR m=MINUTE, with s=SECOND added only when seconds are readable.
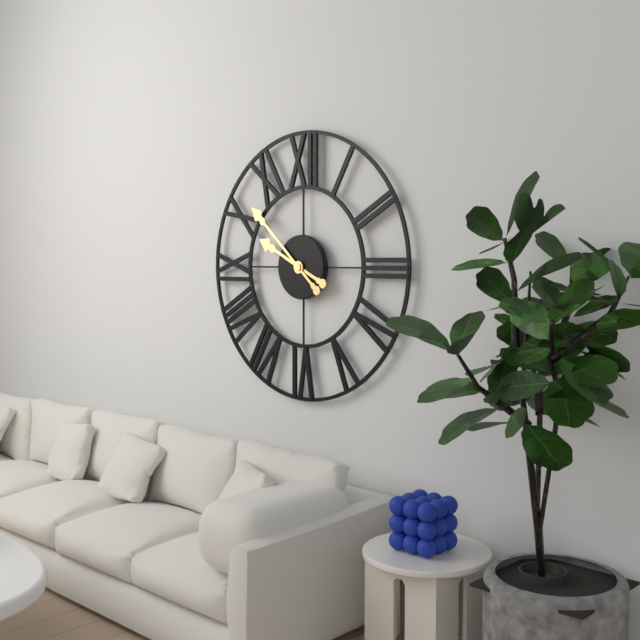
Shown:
h=9 m=52
